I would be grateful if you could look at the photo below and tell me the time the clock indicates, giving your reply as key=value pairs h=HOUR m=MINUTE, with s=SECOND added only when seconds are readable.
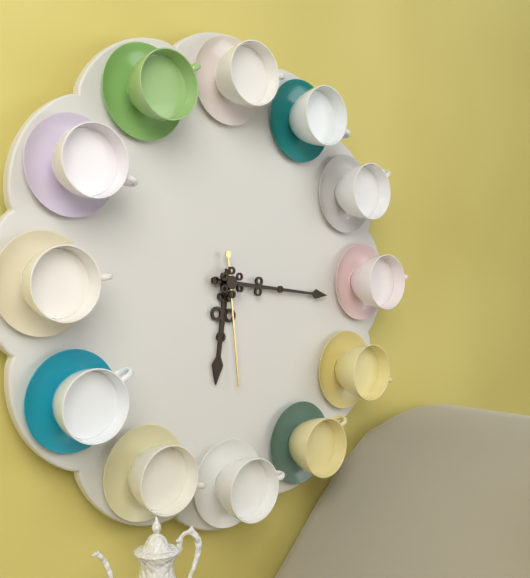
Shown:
h=6 m=16 s=29
